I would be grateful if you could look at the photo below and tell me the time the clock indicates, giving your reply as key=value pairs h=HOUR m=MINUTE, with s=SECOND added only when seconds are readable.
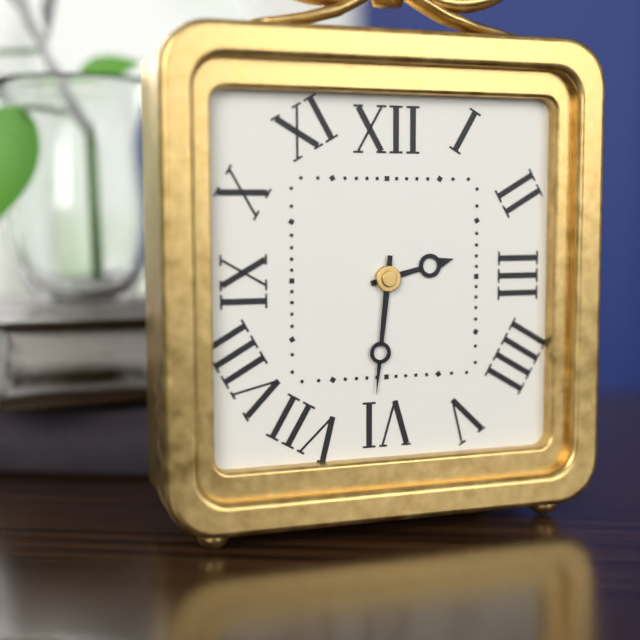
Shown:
h=2 m=31
